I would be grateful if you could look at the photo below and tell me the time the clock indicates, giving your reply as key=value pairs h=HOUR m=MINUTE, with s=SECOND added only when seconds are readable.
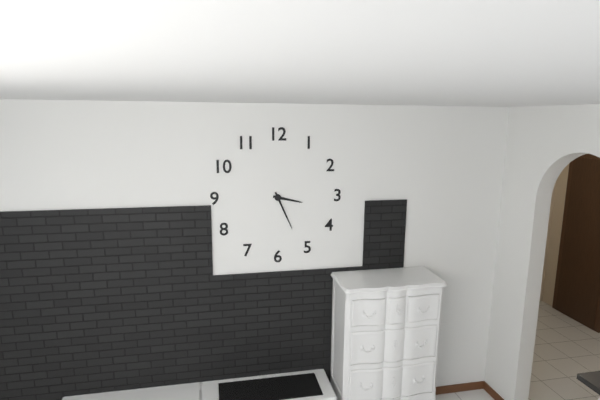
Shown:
h=3 m=26
